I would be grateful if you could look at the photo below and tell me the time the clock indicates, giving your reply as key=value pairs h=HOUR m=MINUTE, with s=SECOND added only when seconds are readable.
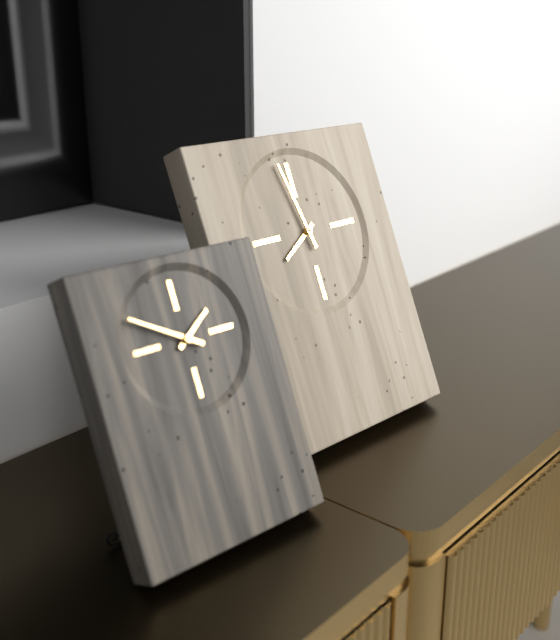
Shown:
h=7 m=58
